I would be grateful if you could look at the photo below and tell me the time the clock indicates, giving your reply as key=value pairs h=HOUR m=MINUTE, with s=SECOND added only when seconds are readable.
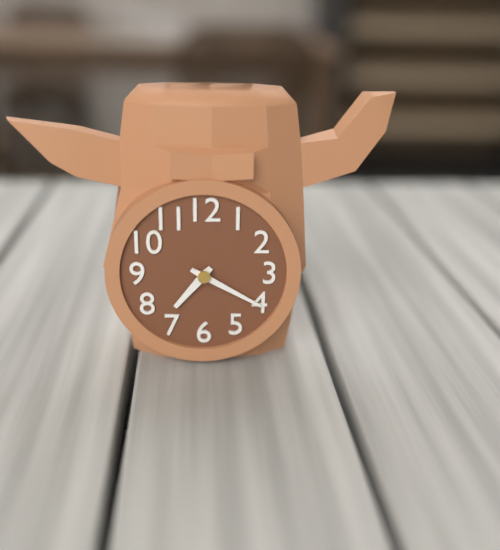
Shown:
h=7 m=20
